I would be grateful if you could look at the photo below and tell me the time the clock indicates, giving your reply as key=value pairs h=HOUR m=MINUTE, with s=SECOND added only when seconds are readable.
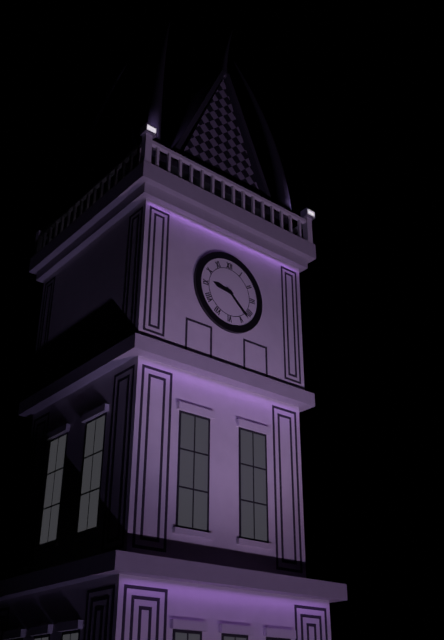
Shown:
h=9 m=22
